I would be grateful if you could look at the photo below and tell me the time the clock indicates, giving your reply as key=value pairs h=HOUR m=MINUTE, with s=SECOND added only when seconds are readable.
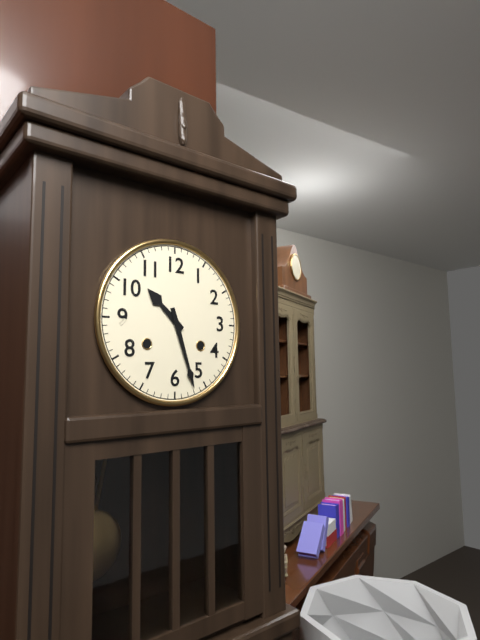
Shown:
h=10 m=27
